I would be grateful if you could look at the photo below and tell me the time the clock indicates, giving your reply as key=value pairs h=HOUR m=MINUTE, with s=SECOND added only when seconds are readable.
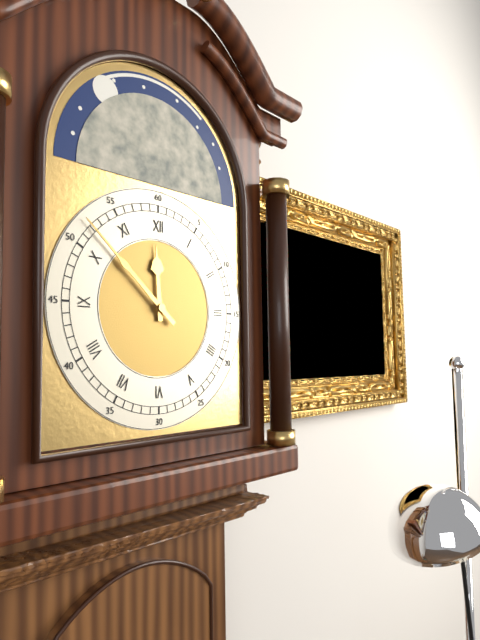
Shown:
h=11 m=52
